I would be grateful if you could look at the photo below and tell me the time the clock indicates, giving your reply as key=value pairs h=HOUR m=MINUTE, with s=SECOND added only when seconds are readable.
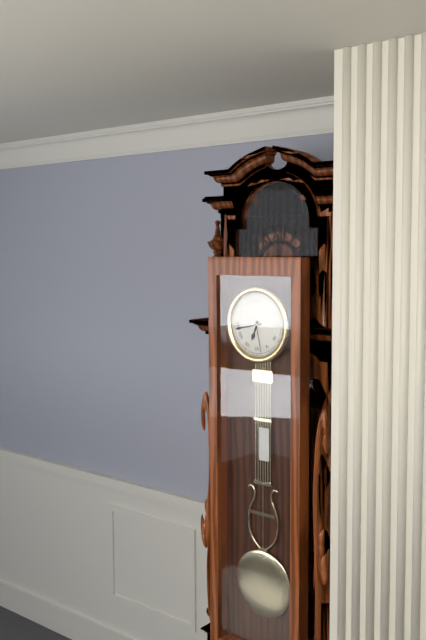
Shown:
h=6 m=43
